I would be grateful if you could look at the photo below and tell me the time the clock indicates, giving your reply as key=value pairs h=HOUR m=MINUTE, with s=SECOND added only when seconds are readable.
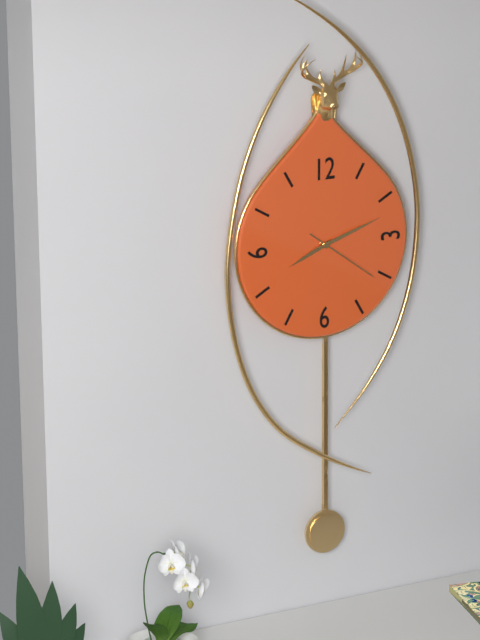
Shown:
h=8 m=12 s=21
